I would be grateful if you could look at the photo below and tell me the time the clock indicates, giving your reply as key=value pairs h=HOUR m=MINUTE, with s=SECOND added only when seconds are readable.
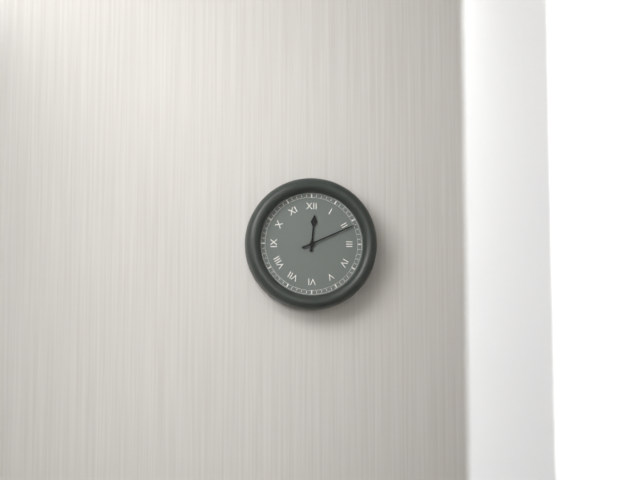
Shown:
h=12 m=11
